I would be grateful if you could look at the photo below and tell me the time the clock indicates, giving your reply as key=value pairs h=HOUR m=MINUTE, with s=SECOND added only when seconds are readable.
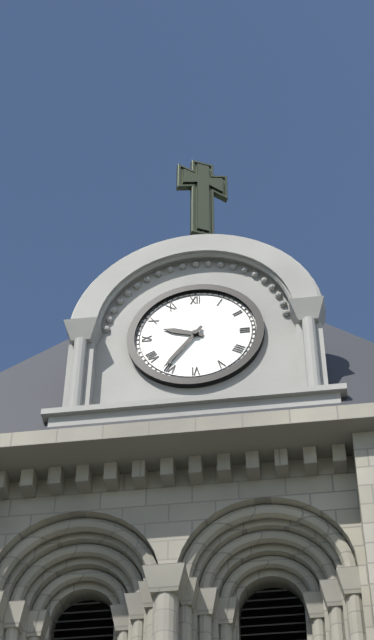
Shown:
h=9 m=36
